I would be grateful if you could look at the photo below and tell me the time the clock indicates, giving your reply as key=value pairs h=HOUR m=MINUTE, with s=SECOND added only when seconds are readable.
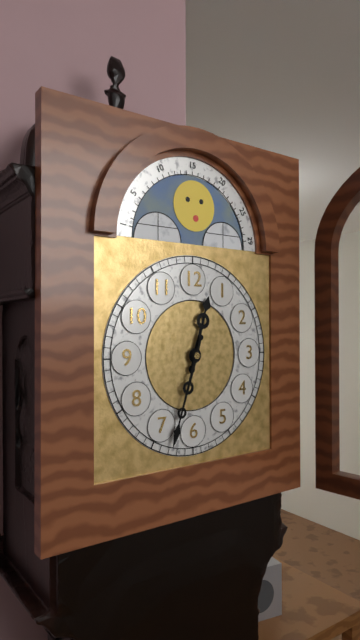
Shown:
h=12 m=33
